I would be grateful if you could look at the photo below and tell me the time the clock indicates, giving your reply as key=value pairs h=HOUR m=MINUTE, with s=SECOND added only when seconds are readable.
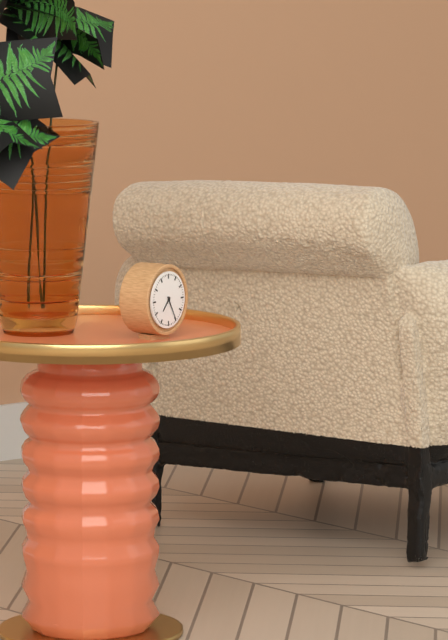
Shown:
h=7 m=25
